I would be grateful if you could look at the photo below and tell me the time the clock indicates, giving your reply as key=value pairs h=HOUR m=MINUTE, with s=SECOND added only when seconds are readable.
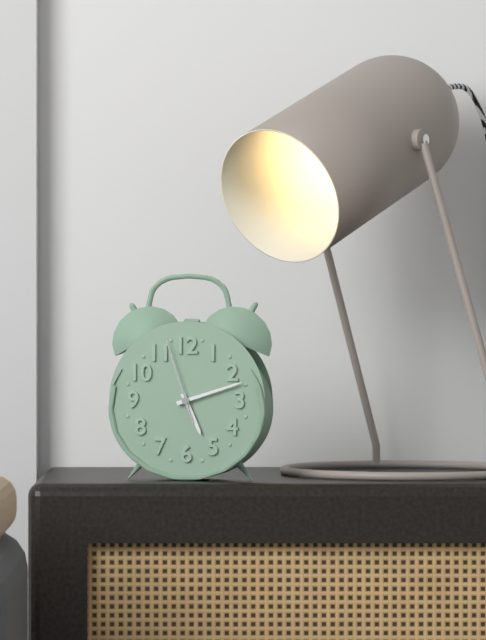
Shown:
h=5 m=12 s=57
